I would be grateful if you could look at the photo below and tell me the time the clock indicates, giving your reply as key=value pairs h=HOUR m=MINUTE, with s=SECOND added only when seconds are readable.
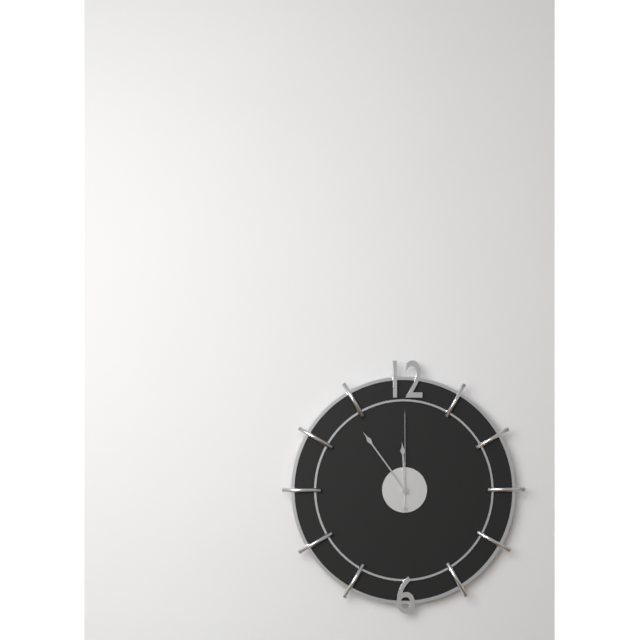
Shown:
h=11 m=54 s=0
